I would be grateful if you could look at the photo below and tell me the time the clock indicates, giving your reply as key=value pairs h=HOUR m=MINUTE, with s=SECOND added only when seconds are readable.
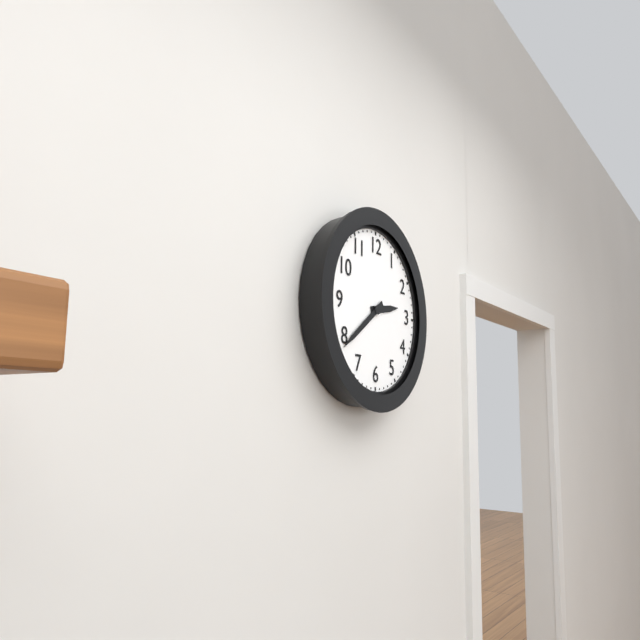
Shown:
h=2 m=39
